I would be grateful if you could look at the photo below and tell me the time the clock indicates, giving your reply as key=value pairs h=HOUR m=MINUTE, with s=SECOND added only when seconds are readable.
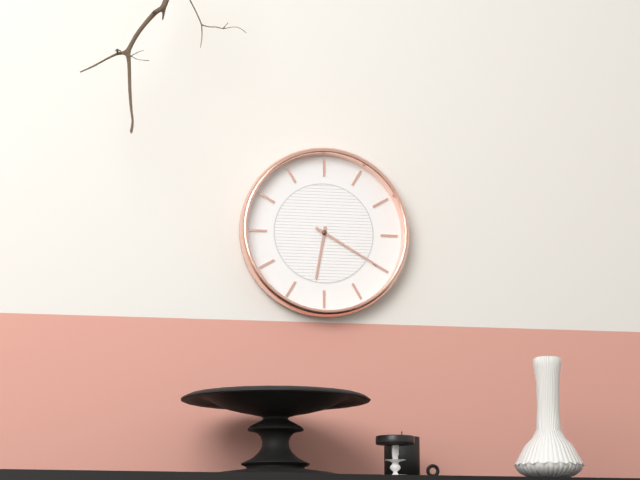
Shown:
h=6 m=20
